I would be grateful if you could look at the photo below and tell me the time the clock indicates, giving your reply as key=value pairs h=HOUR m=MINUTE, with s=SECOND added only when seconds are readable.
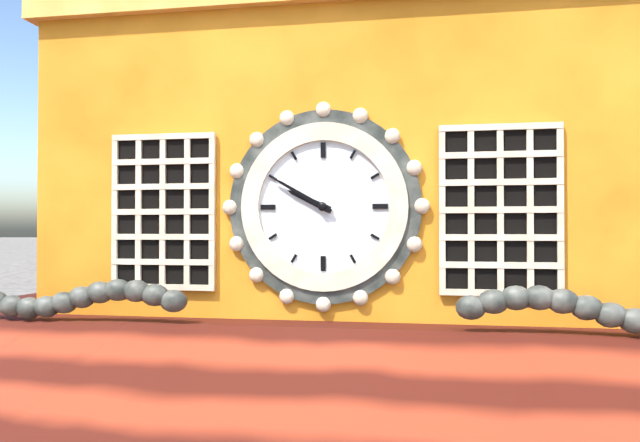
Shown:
h=9 m=50
